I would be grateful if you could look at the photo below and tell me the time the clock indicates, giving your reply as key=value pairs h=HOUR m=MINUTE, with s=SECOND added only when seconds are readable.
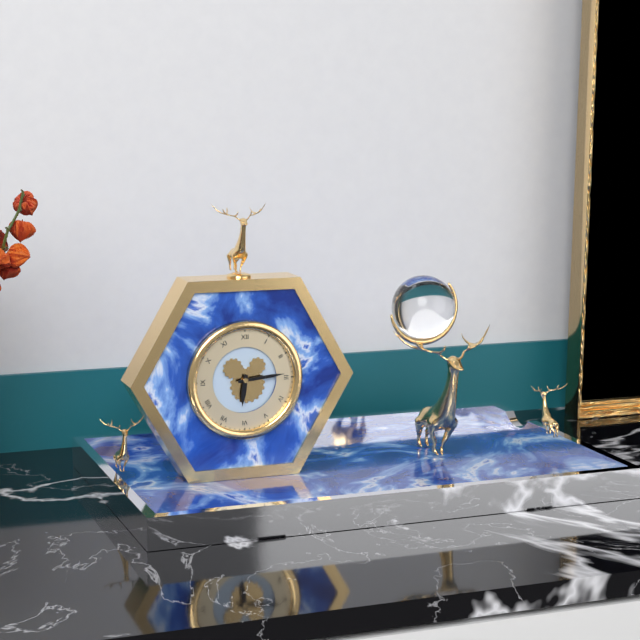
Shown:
h=6 m=14
